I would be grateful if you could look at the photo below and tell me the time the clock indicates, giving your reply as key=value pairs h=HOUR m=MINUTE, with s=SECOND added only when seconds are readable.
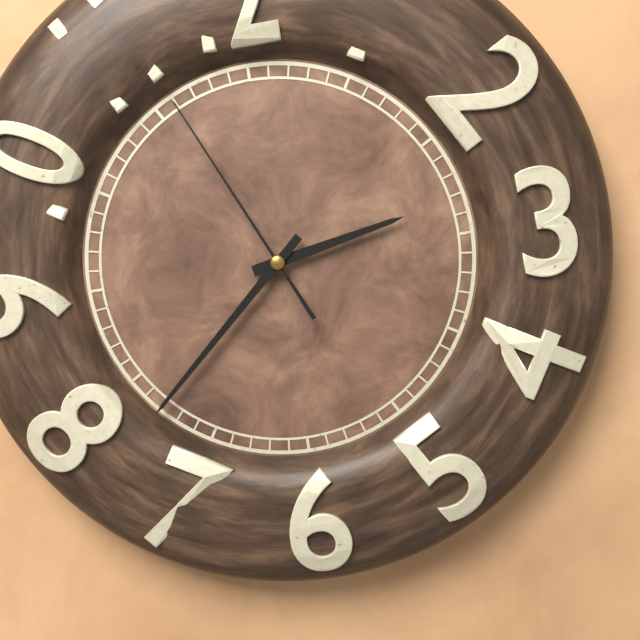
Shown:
h=2 m=38 s=56
